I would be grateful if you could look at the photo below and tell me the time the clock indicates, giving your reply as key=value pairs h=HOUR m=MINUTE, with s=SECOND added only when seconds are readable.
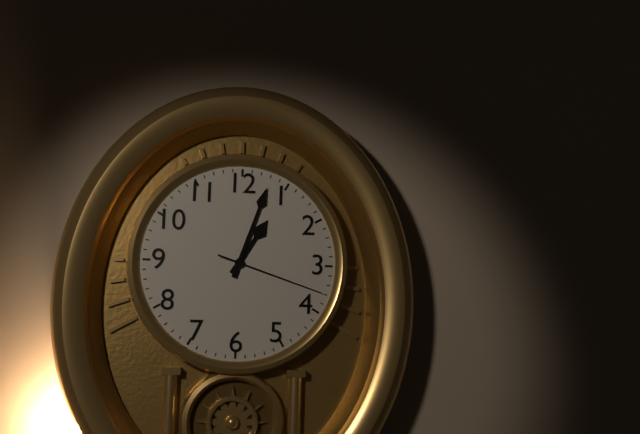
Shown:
h=1 m=3 s=18
